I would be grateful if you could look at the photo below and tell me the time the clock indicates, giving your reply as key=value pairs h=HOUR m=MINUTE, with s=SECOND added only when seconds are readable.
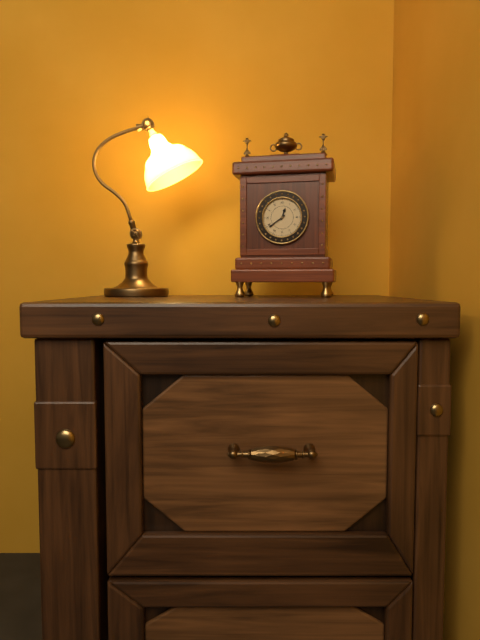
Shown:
h=12 m=39
